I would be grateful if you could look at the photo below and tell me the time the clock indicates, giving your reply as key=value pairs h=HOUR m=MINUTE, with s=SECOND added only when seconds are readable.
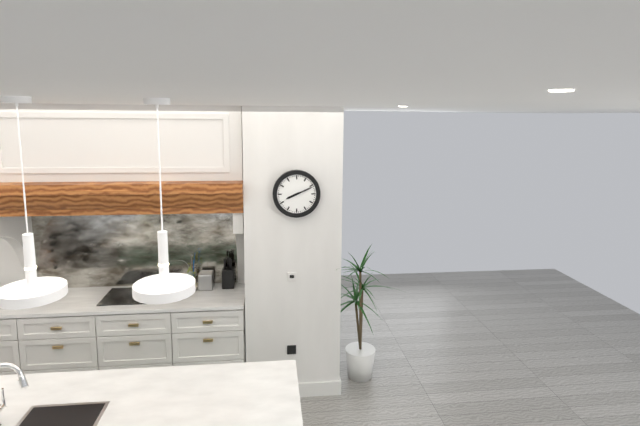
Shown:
h=8 m=11
